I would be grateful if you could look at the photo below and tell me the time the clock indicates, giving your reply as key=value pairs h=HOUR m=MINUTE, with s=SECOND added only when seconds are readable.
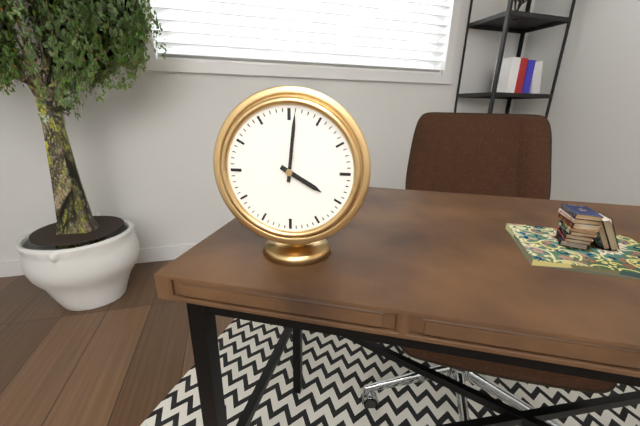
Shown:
h=4 m=1
